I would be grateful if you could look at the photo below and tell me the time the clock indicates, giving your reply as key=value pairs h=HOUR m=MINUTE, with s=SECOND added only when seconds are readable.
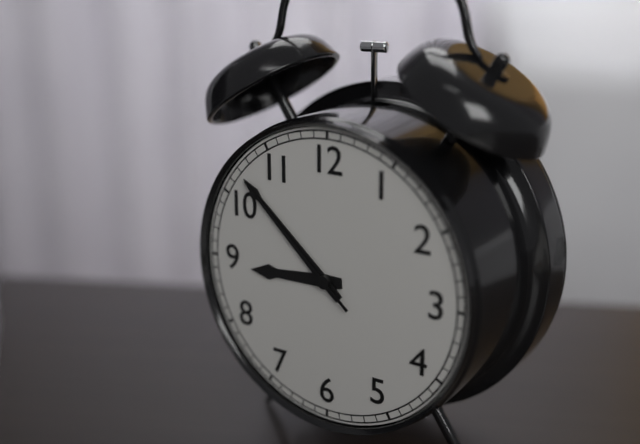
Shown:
h=8 m=52 s=52
